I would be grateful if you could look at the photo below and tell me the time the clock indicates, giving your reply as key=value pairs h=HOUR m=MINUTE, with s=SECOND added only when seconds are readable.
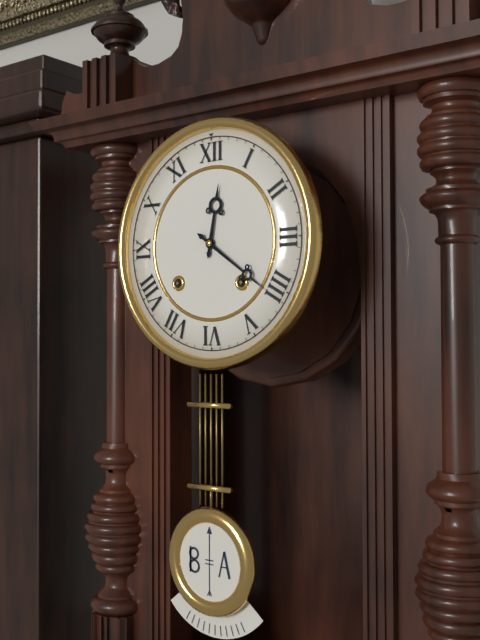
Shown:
h=12 m=21
